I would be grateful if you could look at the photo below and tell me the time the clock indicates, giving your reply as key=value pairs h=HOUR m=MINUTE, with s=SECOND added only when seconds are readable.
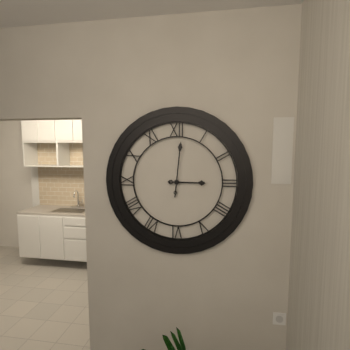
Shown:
h=3 m=1
